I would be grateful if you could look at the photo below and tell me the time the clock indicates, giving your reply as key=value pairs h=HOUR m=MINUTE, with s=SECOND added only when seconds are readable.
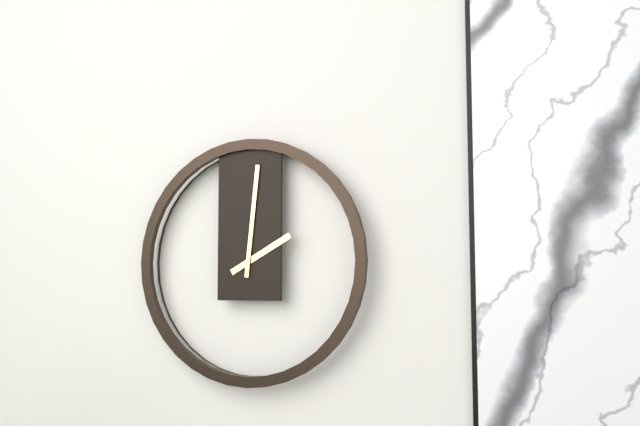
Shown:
h=2 m=1
